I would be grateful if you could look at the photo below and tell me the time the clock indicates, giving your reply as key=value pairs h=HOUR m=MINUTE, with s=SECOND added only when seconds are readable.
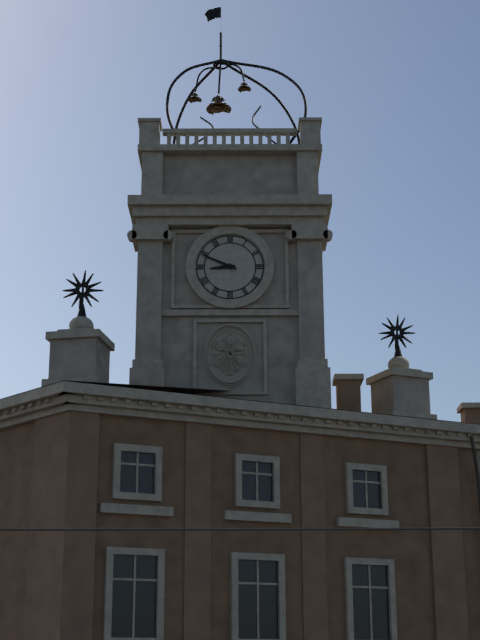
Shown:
h=8 m=49
